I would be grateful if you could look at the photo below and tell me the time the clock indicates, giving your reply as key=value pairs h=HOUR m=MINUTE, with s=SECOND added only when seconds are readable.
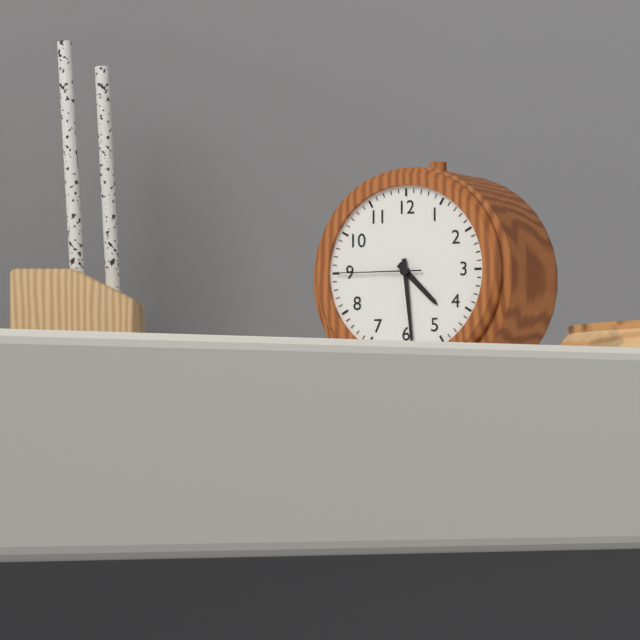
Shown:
h=4 m=29 s=45
